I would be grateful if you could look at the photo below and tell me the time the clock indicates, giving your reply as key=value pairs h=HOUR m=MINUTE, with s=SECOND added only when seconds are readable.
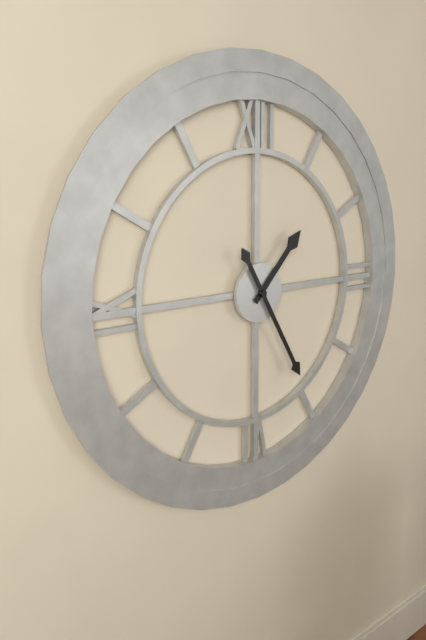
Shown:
h=1 m=25
